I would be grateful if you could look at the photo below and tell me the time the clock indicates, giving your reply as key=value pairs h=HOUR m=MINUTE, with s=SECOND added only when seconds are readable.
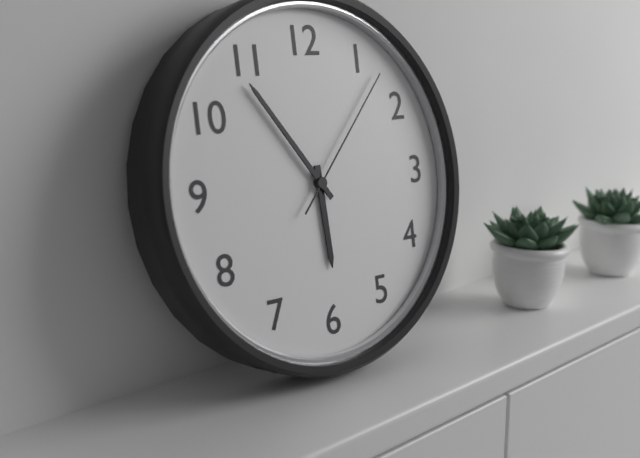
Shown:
h=5 m=54 s=7
